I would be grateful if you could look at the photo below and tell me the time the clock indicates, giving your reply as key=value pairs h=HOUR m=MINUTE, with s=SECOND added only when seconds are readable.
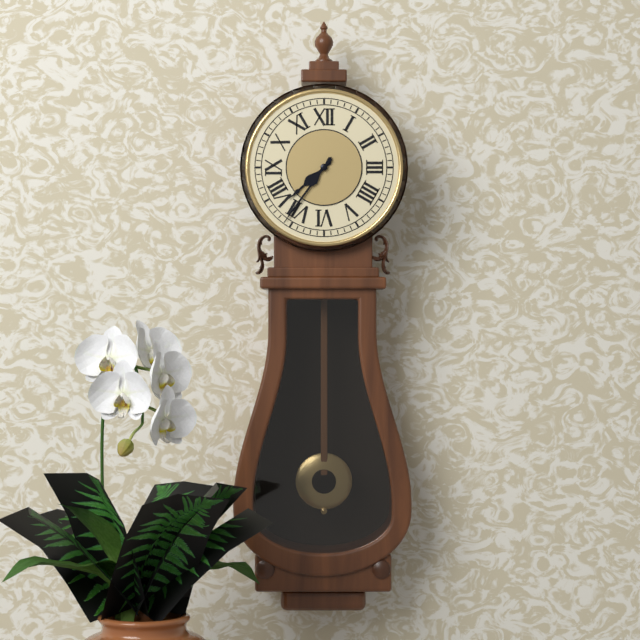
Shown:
h=7 m=36
